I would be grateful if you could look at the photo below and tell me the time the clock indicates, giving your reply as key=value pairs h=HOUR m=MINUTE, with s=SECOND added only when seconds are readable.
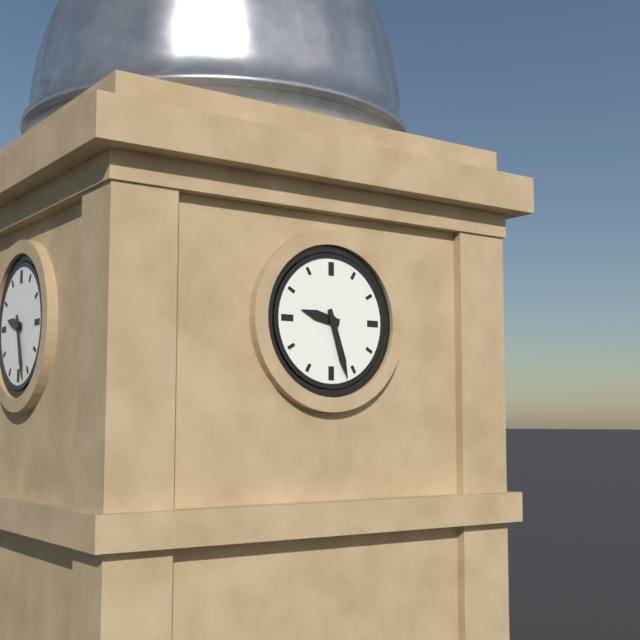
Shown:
h=9 m=27
